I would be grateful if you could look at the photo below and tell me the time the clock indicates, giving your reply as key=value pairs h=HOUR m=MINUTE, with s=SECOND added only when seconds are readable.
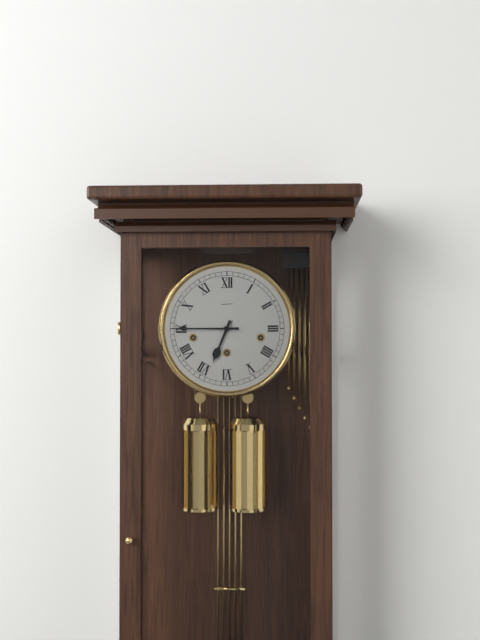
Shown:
h=6 m=45
